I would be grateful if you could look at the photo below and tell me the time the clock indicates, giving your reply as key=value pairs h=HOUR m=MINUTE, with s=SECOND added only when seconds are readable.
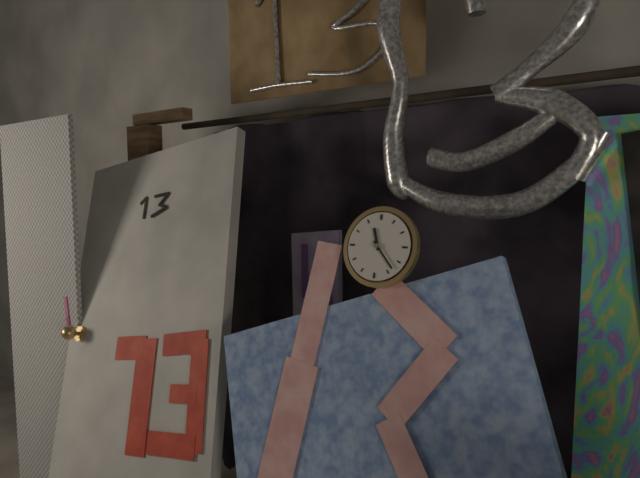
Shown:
h=11 m=23
